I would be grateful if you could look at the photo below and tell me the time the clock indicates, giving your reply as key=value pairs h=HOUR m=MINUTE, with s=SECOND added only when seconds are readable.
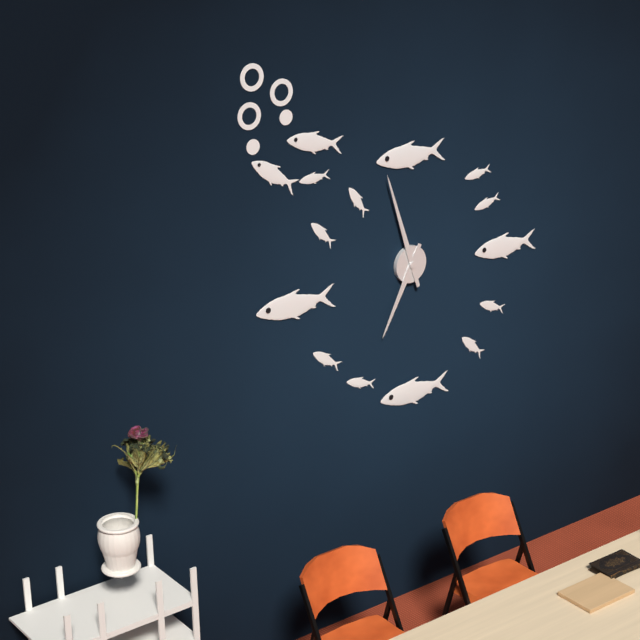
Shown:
h=6 m=57
